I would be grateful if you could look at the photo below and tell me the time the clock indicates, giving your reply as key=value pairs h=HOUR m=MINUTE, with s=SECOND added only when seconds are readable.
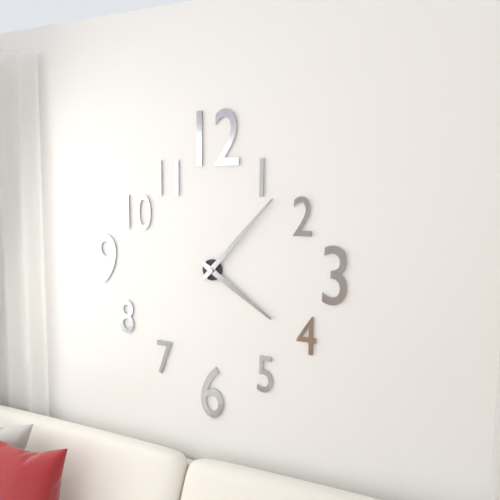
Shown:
h=4 m=7
